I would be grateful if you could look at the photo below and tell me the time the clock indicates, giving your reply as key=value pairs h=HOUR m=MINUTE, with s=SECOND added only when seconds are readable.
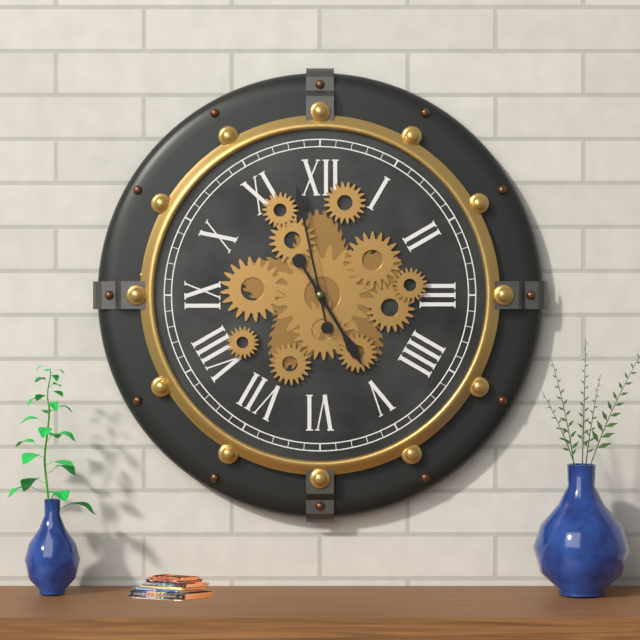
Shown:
h=4 m=58
